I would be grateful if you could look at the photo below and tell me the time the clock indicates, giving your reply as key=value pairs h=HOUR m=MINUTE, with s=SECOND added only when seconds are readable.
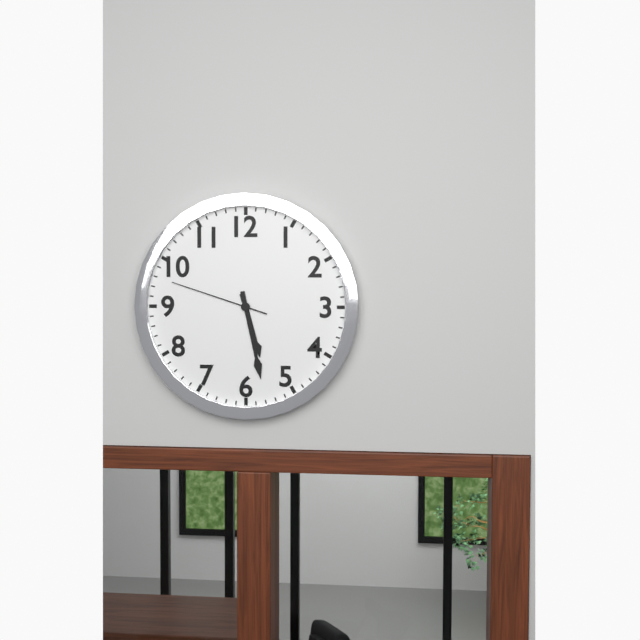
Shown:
h=5 m=28 s=48
